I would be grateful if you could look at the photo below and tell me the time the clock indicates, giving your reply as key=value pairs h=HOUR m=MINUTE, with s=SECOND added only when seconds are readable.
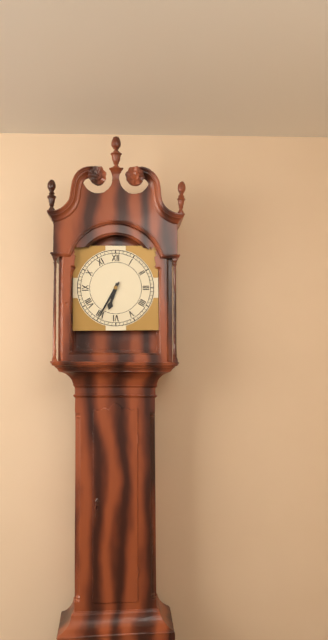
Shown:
h=6 m=35
